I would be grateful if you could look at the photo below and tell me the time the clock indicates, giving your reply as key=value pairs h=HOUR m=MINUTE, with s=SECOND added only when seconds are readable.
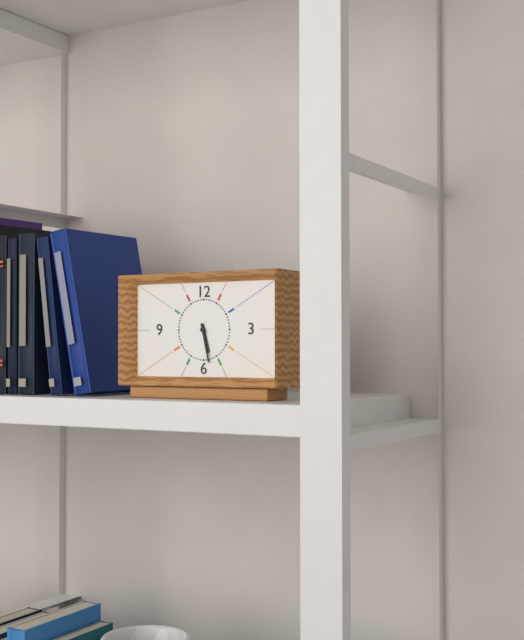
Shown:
h=5 m=28
